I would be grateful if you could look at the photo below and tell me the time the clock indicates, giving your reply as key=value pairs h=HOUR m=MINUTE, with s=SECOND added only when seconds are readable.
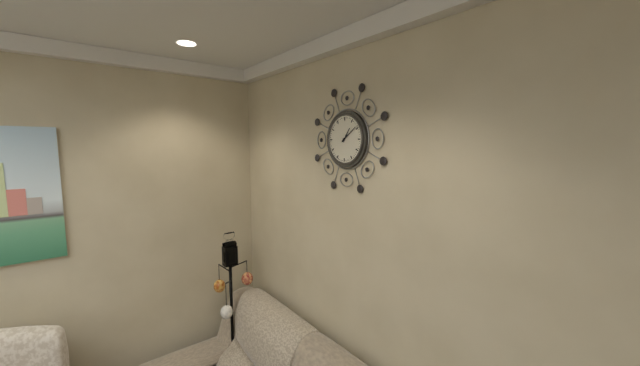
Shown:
h=1 m=9
